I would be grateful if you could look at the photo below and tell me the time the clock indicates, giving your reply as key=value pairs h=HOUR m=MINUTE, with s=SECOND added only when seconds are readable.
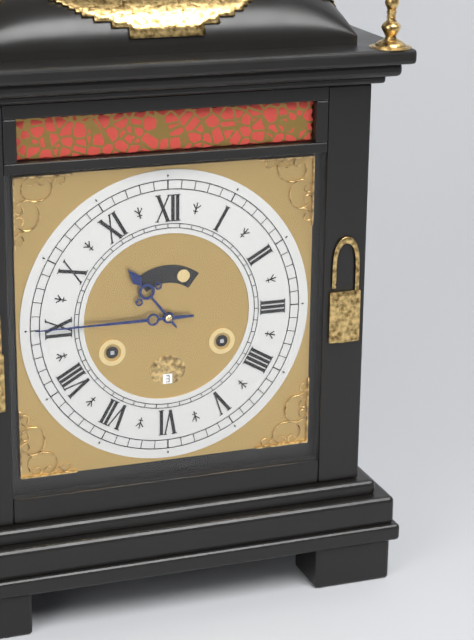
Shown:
h=10 m=45
